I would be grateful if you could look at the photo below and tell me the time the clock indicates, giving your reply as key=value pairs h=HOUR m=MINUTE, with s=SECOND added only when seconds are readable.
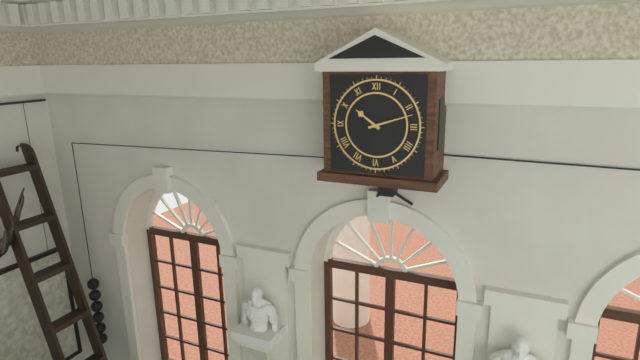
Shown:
h=10 m=12
